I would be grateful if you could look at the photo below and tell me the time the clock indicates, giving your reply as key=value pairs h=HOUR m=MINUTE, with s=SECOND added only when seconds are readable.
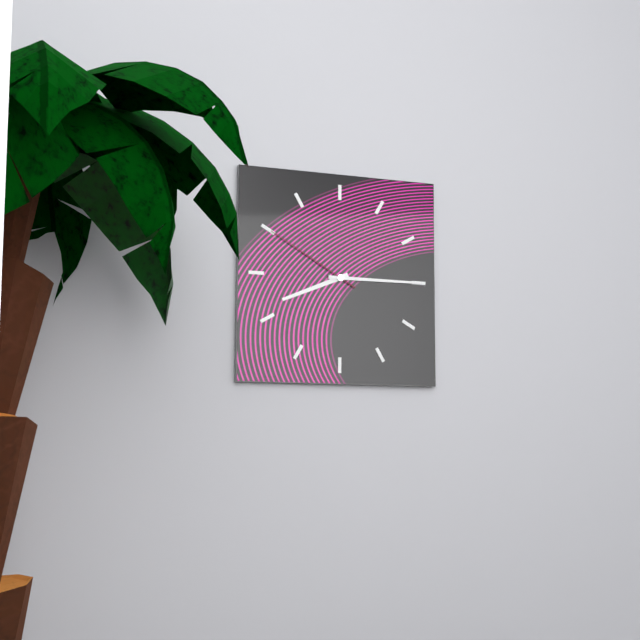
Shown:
h=8 m=15 s=50
